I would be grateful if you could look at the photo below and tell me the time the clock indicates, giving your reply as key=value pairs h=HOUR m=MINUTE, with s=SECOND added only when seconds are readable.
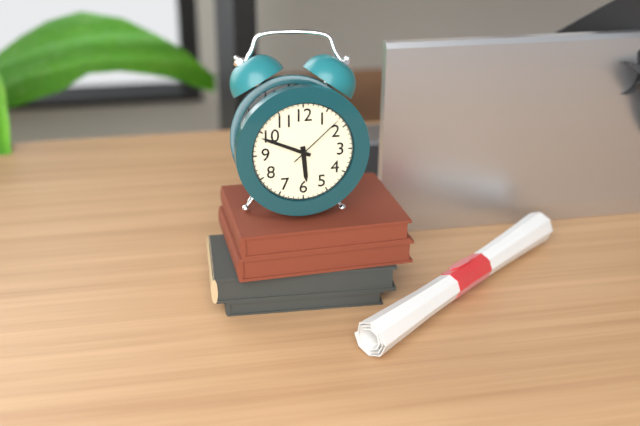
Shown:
h=5 m=49 s=8
